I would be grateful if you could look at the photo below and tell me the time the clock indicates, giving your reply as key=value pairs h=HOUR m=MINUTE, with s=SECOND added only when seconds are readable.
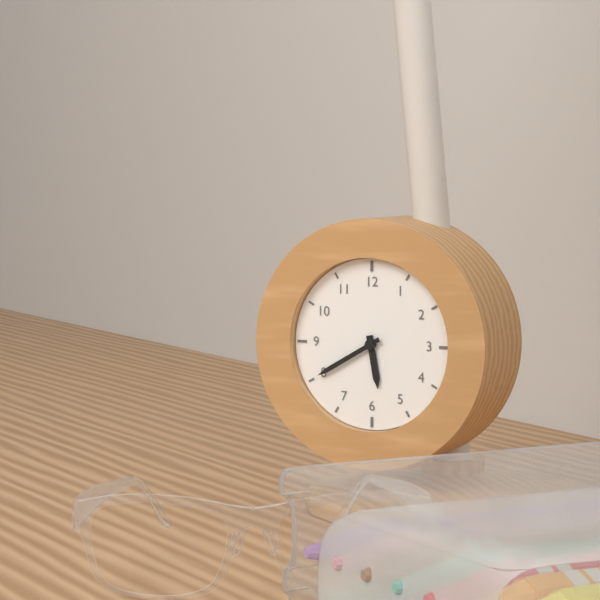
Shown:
h=5 m=40
